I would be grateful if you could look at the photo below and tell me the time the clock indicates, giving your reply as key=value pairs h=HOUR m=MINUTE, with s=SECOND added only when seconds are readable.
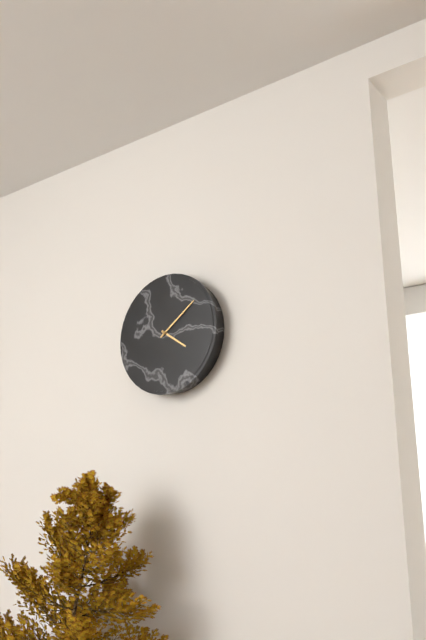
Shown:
h=4 m=9
